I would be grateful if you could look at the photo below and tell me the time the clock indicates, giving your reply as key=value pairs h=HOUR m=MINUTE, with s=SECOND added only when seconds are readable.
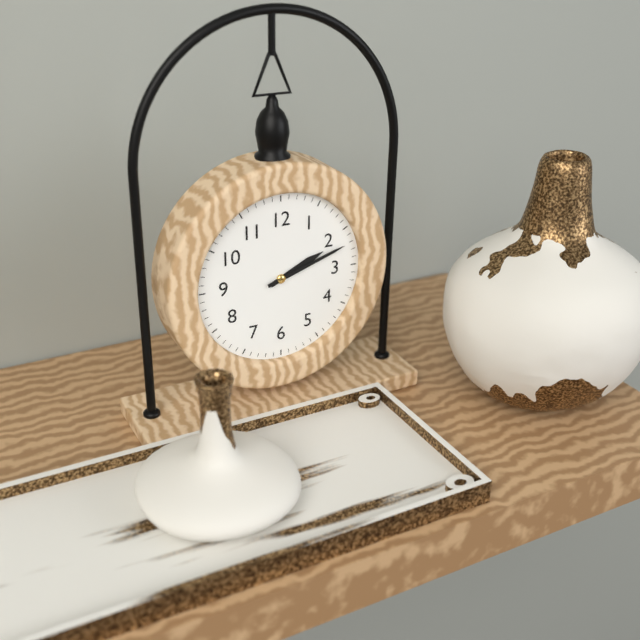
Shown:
h=2 m=12
